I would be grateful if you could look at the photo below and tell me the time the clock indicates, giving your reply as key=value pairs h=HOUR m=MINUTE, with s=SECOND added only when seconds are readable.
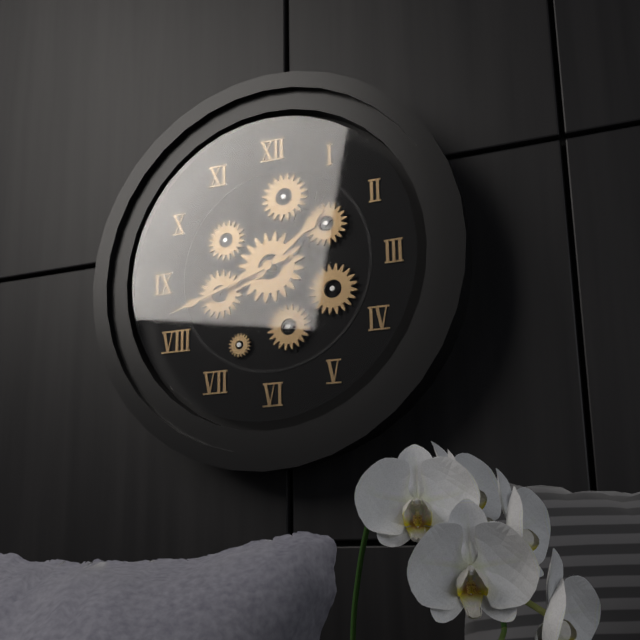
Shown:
h=1 m=42
